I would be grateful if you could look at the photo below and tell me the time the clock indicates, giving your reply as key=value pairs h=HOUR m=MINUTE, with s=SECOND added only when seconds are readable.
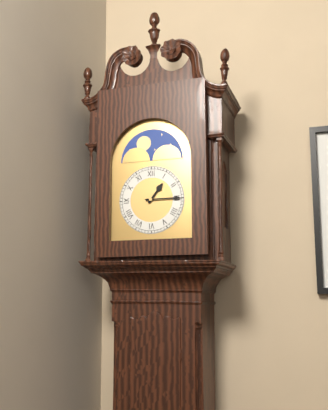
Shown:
h=1 m=15
